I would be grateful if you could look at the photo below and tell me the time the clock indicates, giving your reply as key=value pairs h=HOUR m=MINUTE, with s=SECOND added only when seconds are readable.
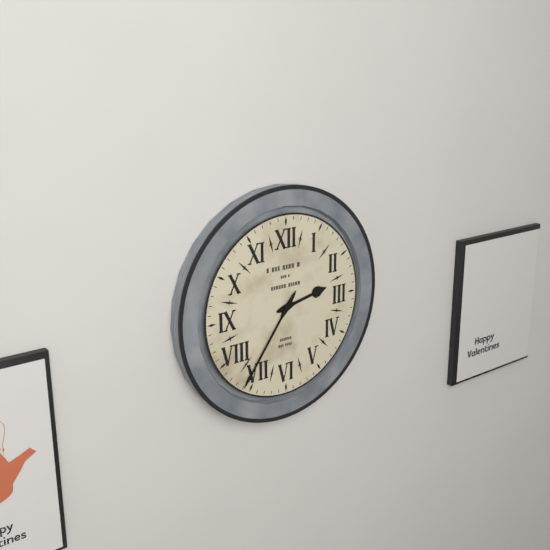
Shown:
h=2 m=36
